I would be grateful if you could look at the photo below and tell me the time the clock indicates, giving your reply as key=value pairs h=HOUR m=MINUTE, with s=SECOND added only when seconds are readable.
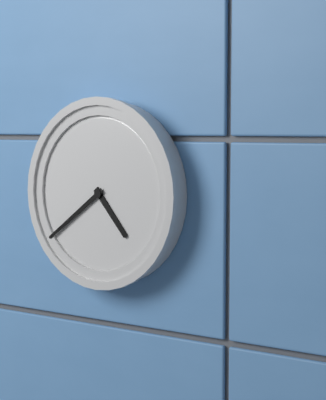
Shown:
h=4 m=39
